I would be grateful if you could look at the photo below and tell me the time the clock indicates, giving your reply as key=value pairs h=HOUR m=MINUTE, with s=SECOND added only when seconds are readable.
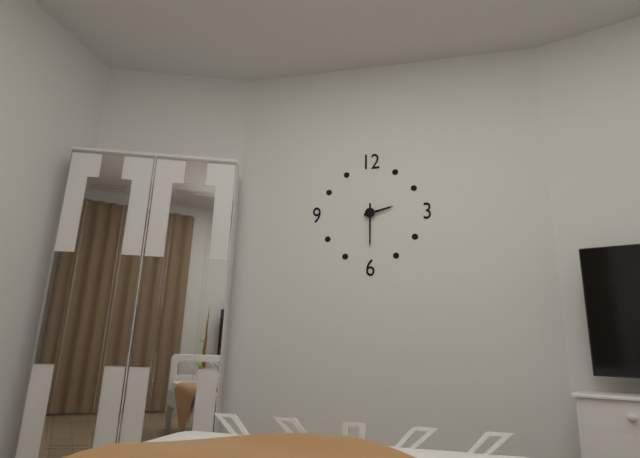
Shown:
h=2 m=30
